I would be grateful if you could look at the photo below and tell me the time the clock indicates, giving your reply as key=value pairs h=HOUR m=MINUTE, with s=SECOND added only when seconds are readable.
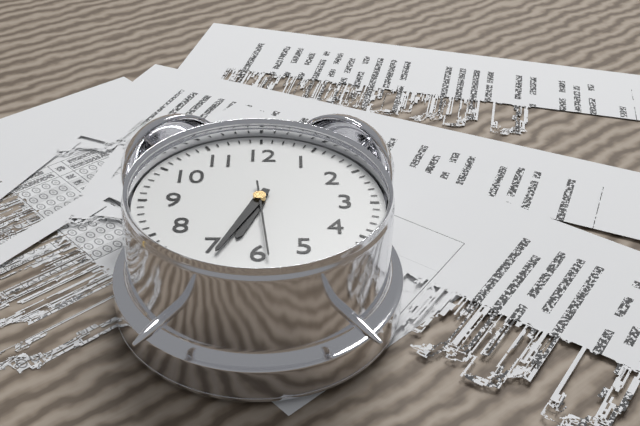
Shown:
h=6 m=34 s=29
